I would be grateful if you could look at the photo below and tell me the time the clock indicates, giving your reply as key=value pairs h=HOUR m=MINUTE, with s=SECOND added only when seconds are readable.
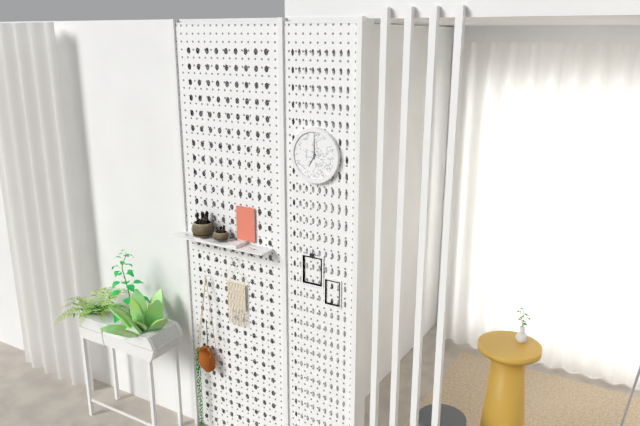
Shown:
h=7 m=0
